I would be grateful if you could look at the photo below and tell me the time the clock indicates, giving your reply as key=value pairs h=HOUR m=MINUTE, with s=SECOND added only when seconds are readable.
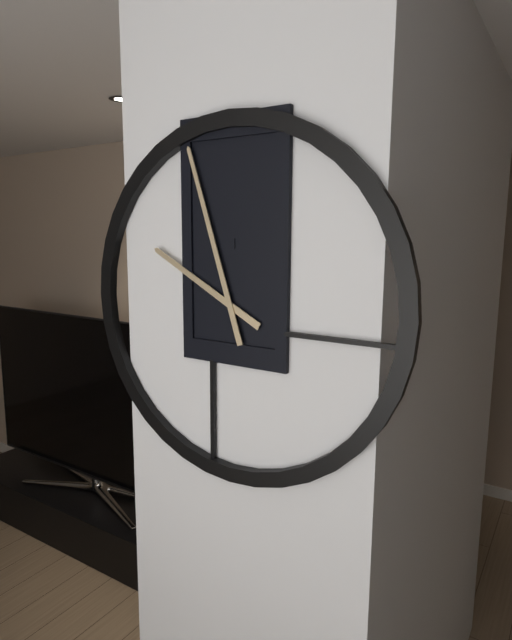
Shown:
h=9 m=57
